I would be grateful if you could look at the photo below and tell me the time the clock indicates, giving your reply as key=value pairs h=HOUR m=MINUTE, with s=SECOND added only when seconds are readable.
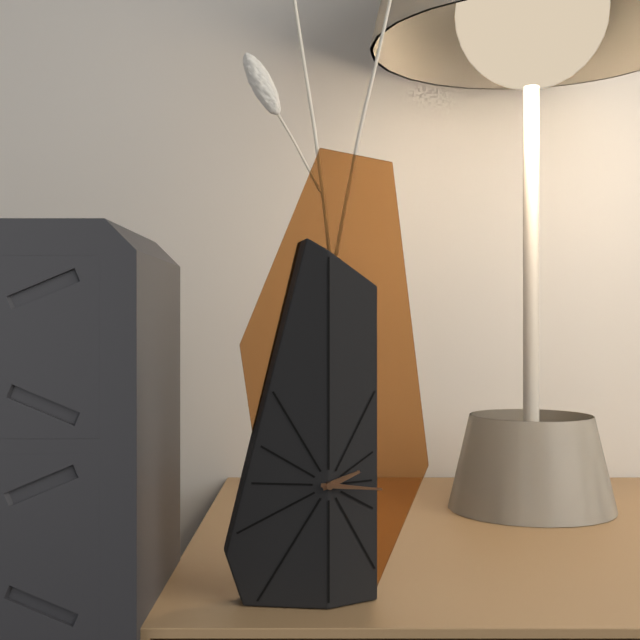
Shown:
h=2 m=16
